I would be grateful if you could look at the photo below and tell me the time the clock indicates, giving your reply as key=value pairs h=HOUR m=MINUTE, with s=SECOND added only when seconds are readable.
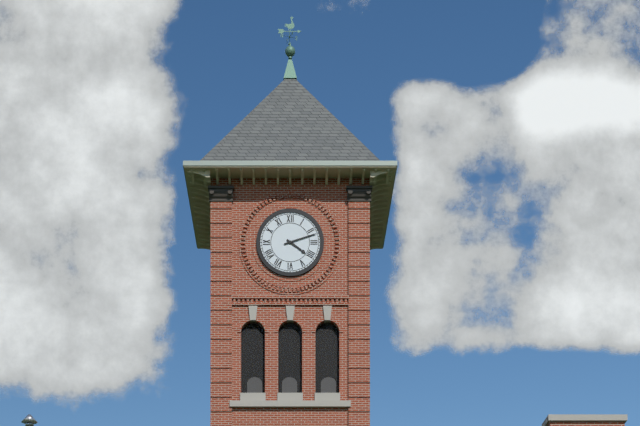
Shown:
h=4 m=12
